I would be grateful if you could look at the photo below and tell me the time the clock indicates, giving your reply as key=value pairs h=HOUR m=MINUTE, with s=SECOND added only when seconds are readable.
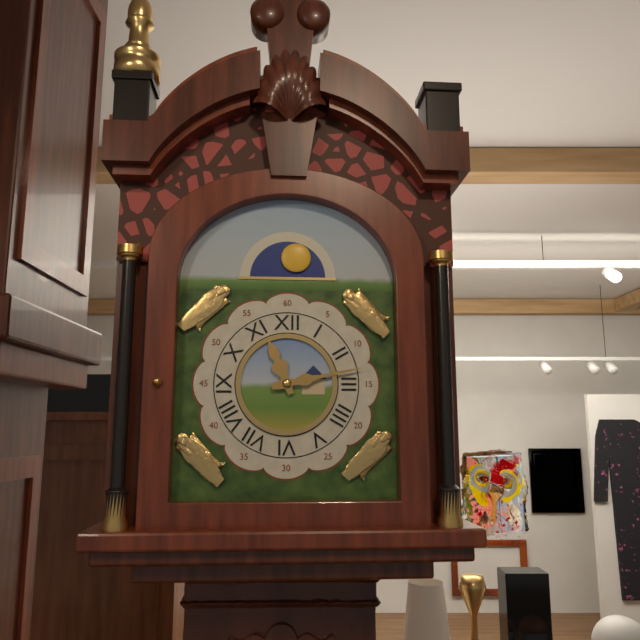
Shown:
h=11 m=13
